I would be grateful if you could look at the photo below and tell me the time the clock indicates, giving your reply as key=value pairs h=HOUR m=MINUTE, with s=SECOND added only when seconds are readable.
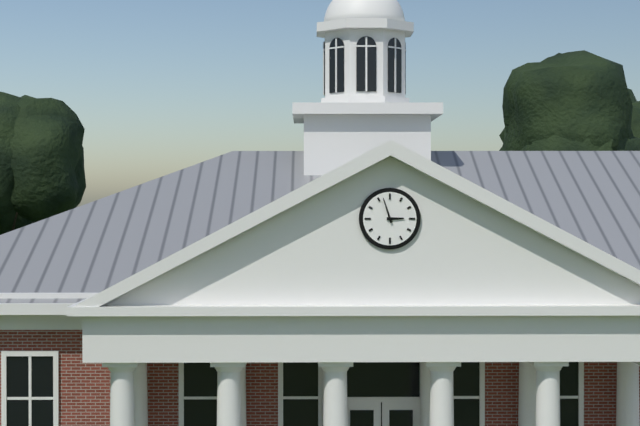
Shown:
h=2 m=57
